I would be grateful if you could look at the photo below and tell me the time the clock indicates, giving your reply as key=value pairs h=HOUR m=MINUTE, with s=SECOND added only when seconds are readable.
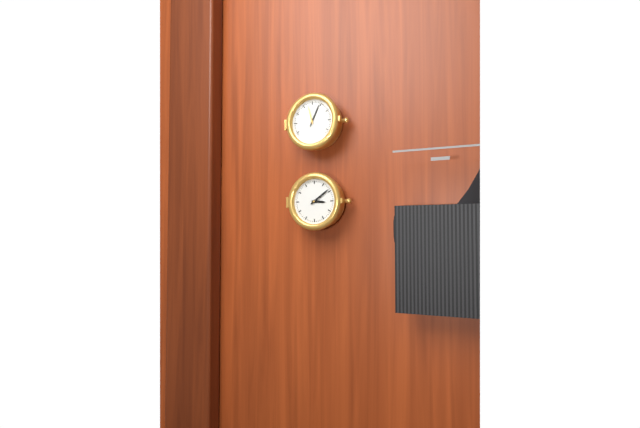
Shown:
h=3 m=9
